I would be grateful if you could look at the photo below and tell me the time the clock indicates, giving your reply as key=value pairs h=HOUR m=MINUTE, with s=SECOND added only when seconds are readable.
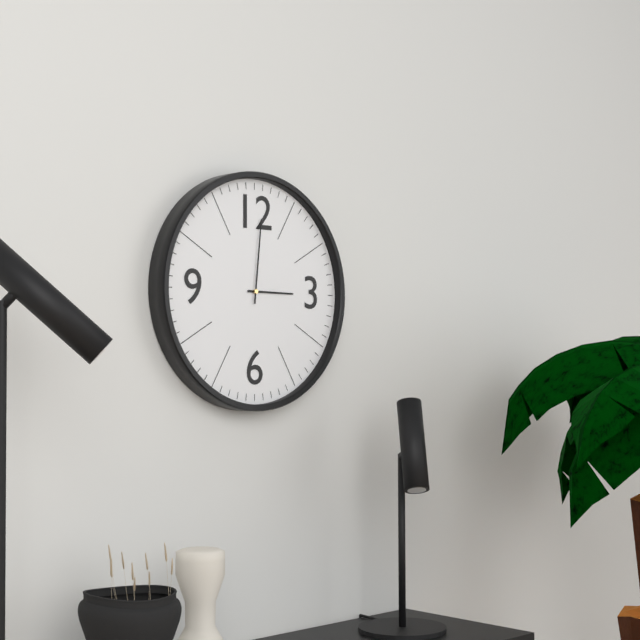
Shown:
h=3 m=1
